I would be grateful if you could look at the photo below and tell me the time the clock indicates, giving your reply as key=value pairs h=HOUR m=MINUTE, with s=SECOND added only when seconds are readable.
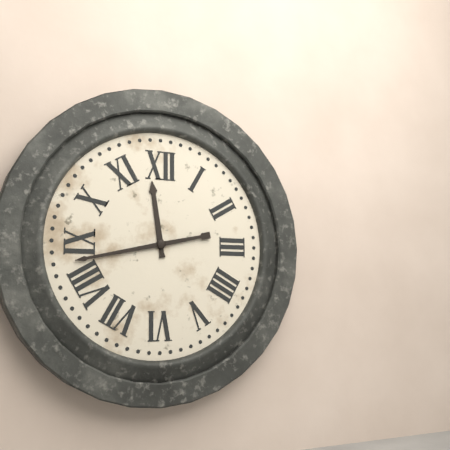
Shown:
h=11 m=43
